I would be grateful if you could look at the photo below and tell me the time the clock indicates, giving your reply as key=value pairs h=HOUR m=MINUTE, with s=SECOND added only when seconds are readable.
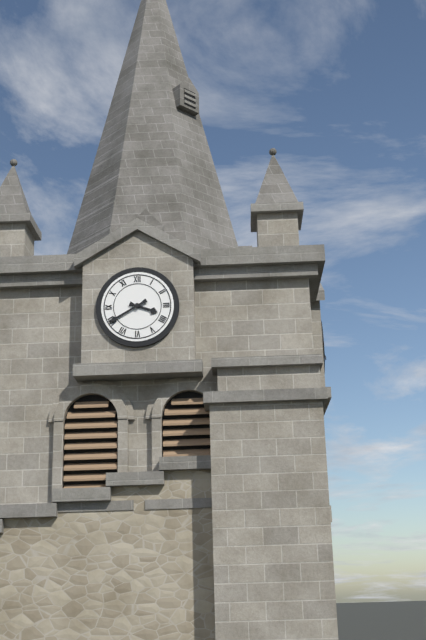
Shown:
h=3 m=40
